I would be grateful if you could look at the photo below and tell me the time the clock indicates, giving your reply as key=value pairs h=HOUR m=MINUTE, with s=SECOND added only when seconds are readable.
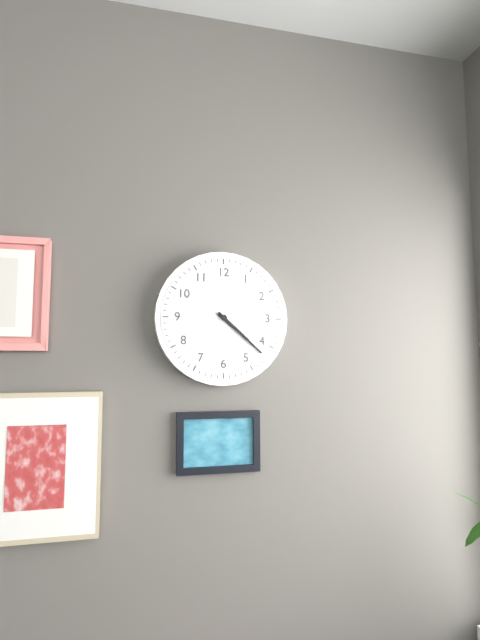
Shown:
h=4 m=22
